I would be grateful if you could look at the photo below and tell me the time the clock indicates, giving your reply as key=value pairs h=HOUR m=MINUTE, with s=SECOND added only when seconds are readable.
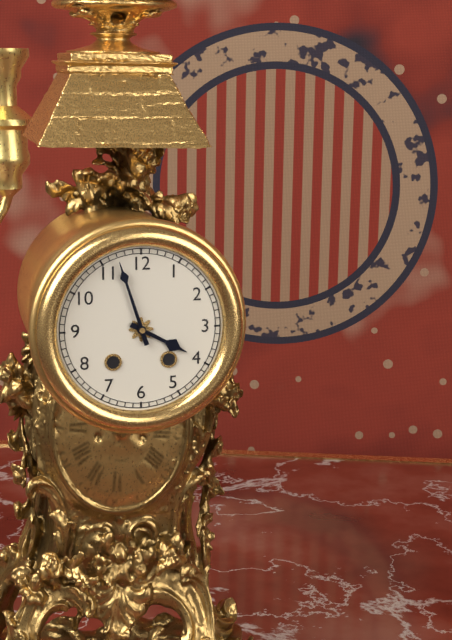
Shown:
h=3 m=57
